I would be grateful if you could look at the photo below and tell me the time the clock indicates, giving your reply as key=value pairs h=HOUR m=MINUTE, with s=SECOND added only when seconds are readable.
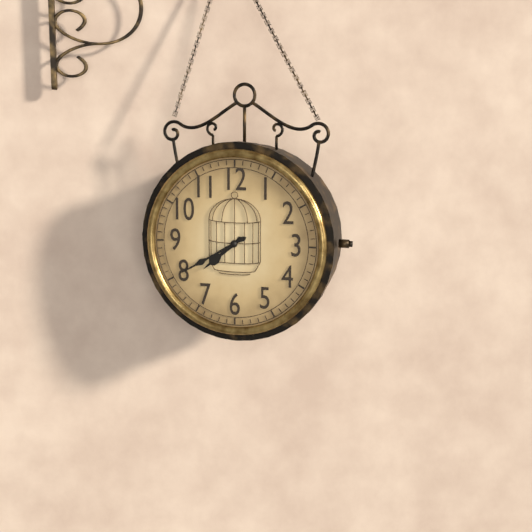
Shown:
h=7 m=40
